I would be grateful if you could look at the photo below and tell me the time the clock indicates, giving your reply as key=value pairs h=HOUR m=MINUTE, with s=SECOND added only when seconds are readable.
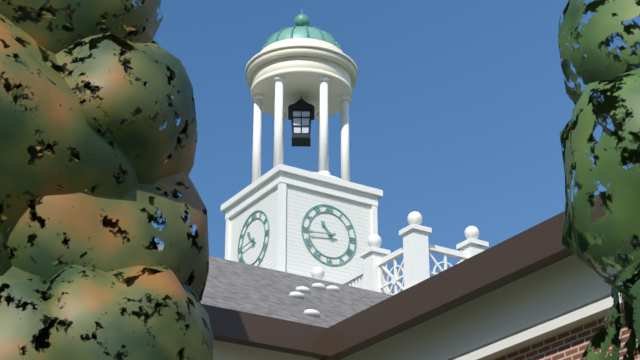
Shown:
h=10 m=44
